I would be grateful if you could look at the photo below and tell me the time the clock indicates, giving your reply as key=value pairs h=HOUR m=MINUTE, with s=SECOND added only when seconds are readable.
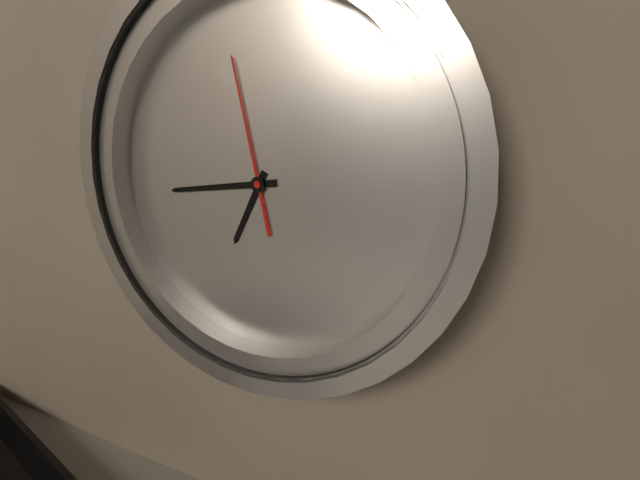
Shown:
h=6 m=43 s=57
